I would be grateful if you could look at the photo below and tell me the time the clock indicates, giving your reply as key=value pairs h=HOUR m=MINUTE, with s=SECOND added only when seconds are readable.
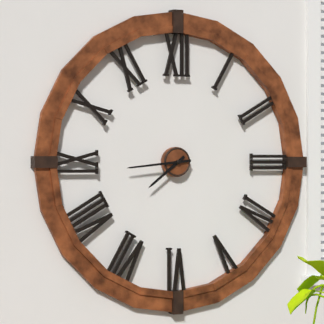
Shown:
h=7 m=44
